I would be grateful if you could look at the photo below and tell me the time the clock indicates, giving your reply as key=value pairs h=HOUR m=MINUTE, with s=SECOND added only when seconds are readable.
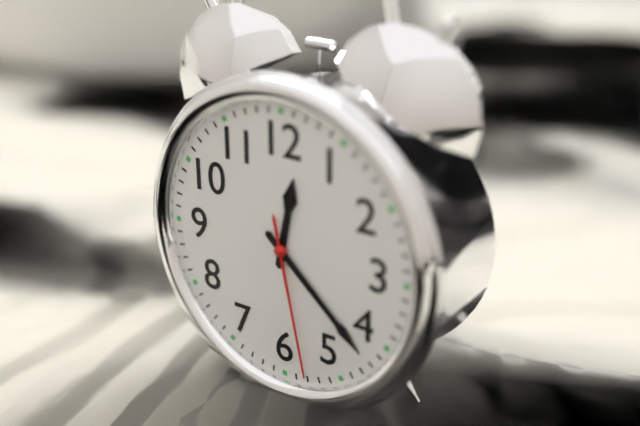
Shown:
h=12 m=22 s=28
